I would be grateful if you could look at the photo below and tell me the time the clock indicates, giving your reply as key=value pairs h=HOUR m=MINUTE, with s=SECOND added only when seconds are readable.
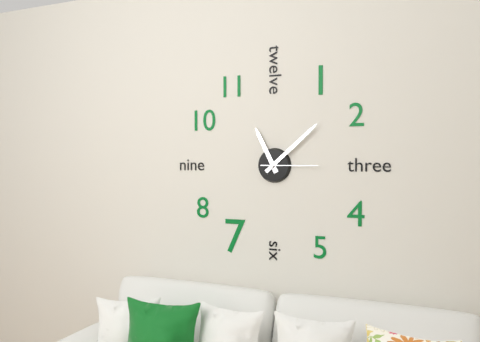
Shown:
h=11 m=8 s=15
